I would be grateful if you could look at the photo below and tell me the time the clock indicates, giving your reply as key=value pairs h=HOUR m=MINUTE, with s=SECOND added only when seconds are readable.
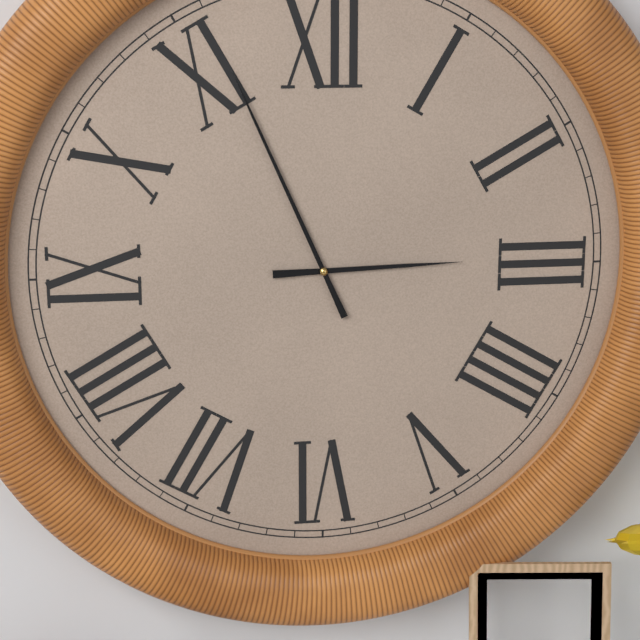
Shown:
h=2 m=56
